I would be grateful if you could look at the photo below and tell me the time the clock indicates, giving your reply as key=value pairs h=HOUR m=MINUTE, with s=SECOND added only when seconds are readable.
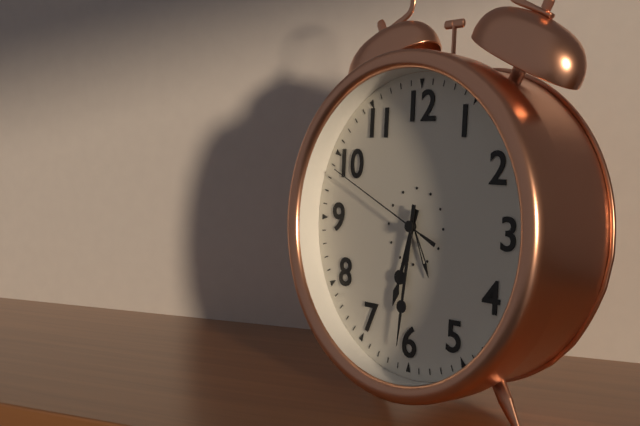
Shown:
h=6 m=31 s=49
